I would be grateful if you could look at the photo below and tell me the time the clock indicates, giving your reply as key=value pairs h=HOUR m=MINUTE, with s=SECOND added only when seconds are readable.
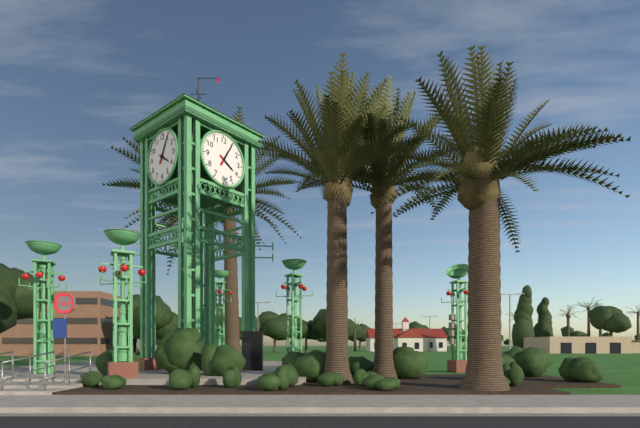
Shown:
h=4 m=5
